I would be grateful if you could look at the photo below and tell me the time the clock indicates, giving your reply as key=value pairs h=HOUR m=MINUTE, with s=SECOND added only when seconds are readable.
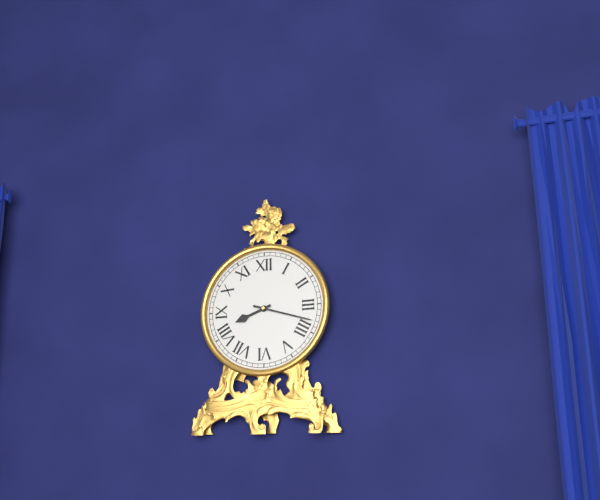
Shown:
h=8 m=18
